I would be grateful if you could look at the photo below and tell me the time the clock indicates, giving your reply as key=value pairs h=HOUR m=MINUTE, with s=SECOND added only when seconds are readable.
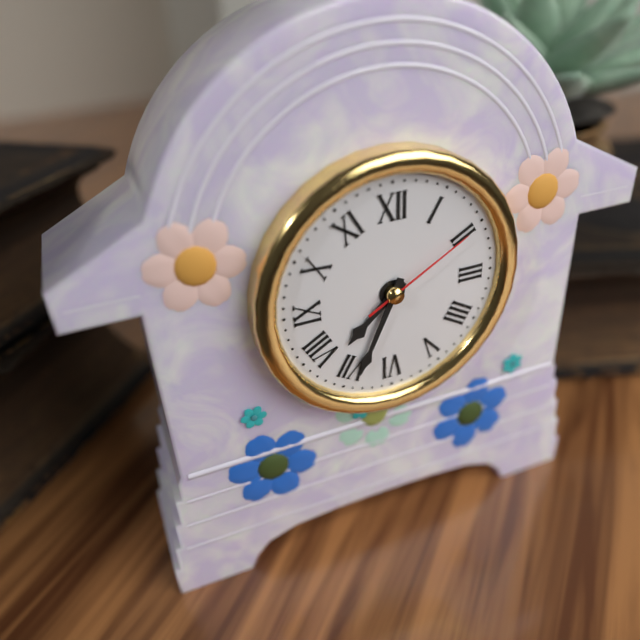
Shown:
h=7 m=34 s=10
